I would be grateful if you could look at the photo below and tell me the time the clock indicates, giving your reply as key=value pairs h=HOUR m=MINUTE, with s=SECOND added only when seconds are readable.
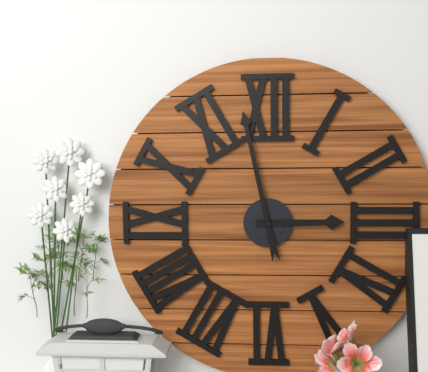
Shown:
h=2 m=58
